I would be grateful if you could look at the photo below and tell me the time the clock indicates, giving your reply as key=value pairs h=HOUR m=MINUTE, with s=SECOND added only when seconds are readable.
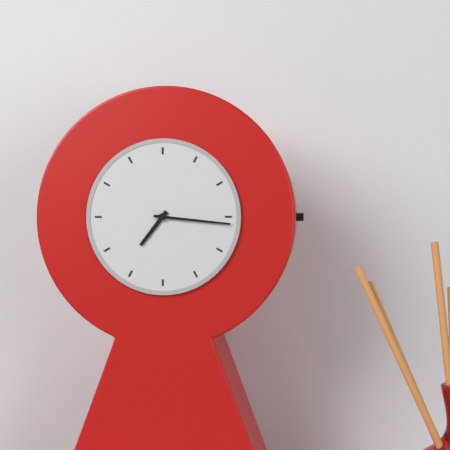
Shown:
h=7 m=16
